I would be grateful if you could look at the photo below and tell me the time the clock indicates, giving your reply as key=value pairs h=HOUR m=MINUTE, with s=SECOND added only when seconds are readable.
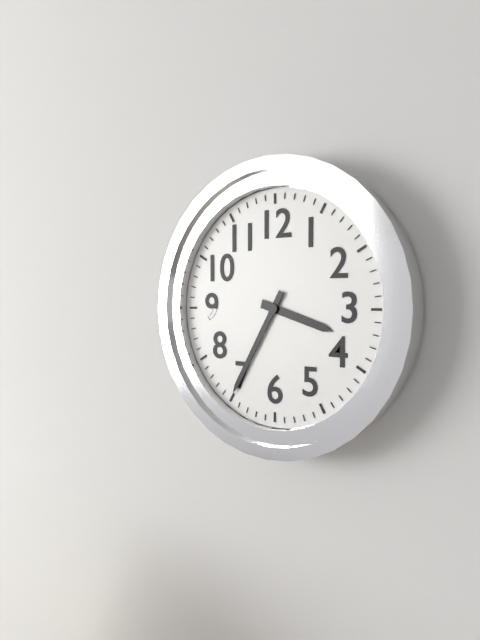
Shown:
h=3 m=35
